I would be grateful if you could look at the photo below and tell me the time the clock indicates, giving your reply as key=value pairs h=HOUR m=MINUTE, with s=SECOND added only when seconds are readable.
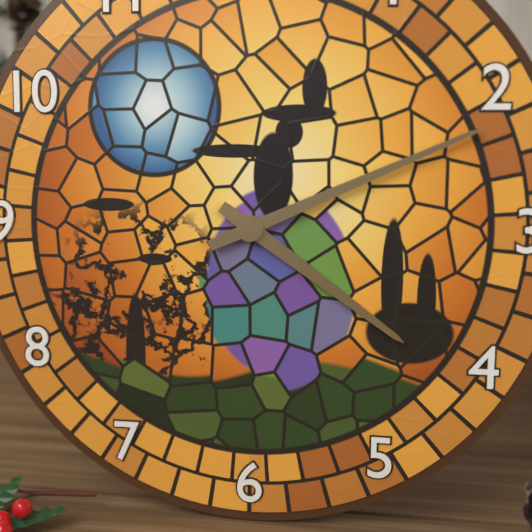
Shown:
h=4 m=11
